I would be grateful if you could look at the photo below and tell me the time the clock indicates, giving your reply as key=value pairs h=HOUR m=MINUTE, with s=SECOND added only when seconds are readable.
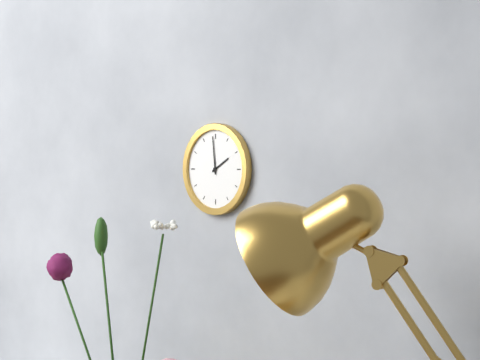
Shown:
h=1 m=59
